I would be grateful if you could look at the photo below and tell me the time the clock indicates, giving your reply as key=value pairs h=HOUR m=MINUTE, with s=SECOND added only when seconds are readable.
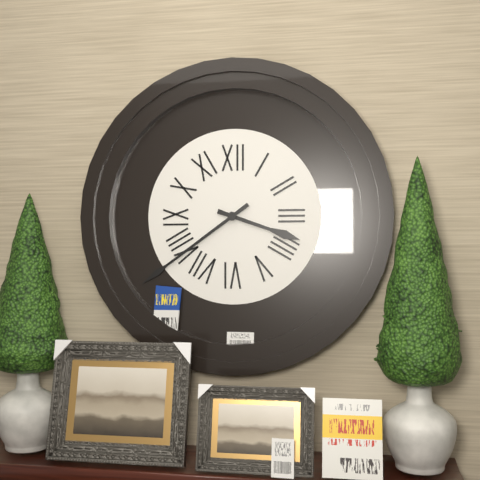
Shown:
h=3 m=39
